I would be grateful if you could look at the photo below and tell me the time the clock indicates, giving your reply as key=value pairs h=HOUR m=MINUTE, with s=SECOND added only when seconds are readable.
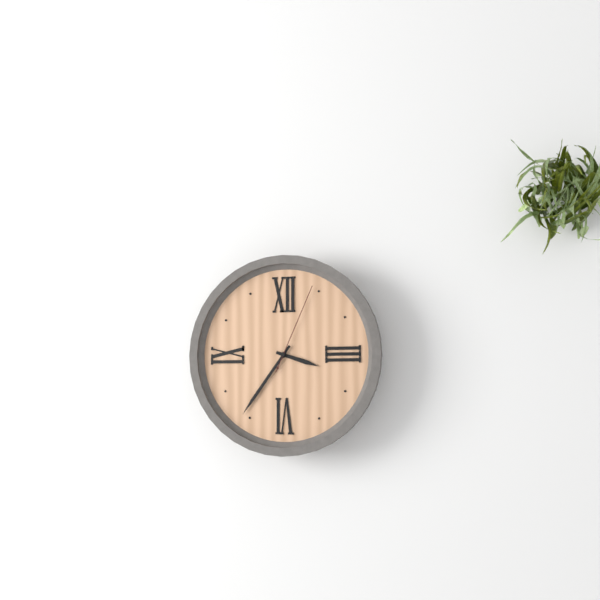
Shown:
h=3 m=36 s=4
